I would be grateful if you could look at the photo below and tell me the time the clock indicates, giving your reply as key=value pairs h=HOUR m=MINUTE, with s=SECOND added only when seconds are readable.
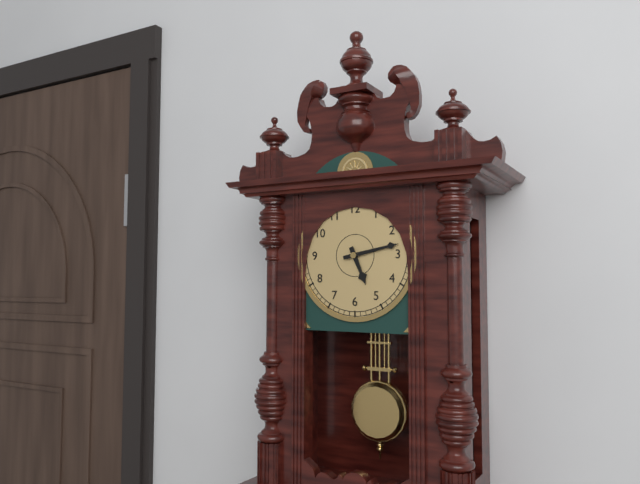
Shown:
h=5 m=13
